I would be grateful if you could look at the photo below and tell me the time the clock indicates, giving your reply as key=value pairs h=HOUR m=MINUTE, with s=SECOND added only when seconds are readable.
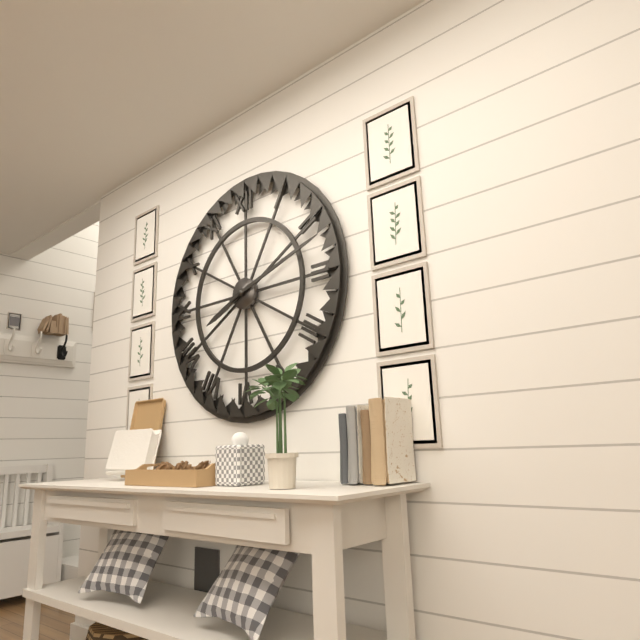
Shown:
h=8 m=12
